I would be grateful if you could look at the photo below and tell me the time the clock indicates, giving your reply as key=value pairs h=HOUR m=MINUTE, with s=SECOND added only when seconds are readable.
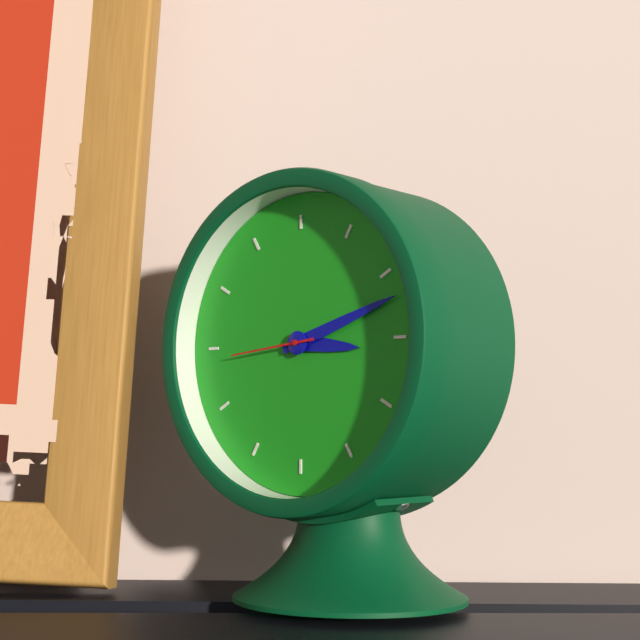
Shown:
h=3 m=12 s=44
